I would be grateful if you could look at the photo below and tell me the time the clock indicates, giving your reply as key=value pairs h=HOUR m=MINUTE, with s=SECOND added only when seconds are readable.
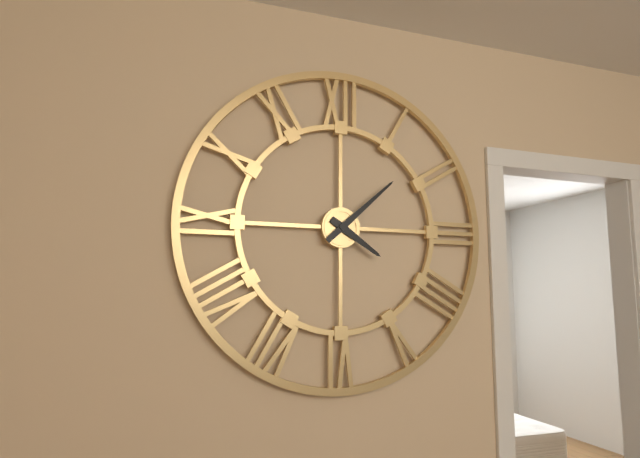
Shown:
h=4 m=8
